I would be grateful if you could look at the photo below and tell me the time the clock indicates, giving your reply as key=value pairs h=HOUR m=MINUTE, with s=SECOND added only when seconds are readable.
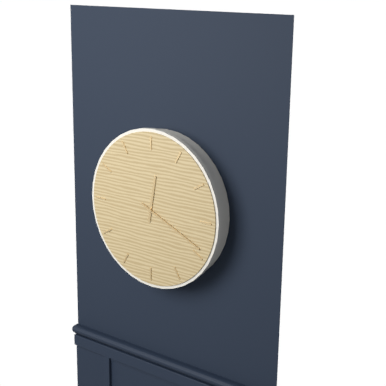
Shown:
h=12 m=19
